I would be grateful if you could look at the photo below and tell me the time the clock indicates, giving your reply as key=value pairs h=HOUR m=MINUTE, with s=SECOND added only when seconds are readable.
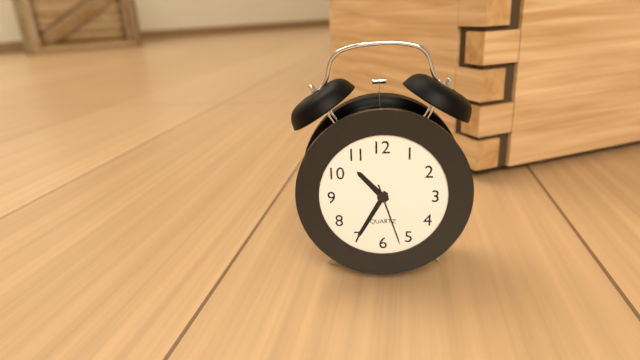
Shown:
h=10 m=35 s=27
